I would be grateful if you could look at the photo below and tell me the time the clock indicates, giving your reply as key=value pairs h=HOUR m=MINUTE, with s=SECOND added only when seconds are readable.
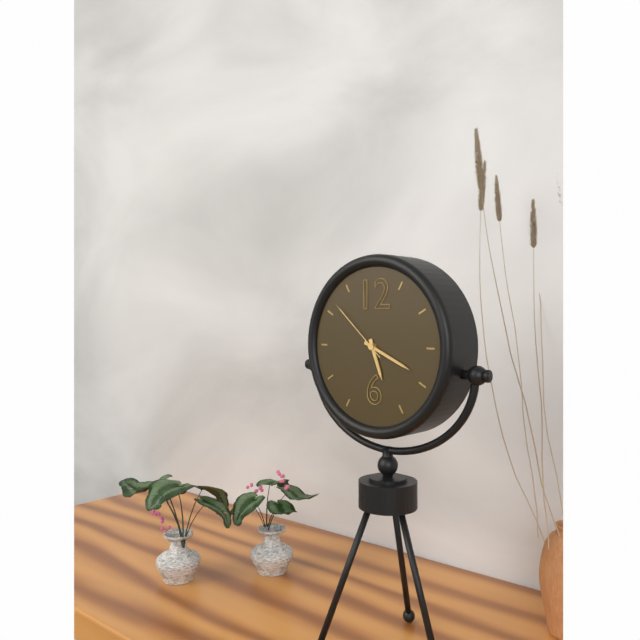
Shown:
h=5 m=19 s=52
